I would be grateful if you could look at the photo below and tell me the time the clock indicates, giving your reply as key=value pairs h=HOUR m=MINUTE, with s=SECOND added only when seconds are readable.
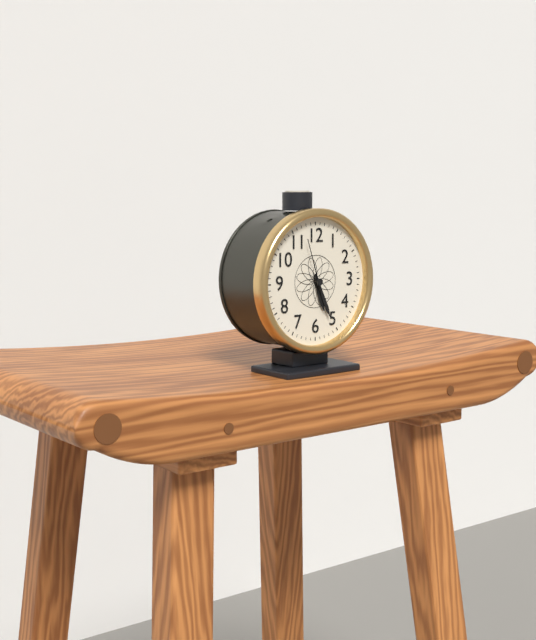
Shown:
h=5 m=26 s=57
